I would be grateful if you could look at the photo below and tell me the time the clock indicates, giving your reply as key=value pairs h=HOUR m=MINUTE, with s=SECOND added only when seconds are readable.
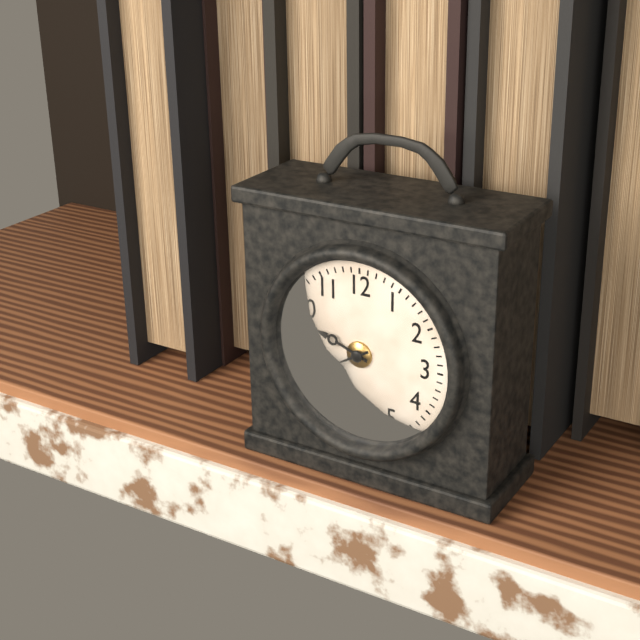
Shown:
h=9 m=40
